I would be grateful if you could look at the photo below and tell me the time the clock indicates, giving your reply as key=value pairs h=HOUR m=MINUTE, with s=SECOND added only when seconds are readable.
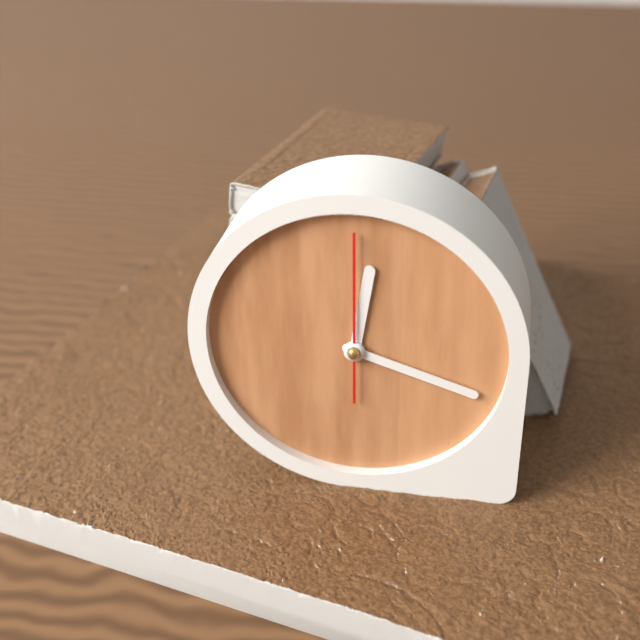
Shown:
h=12 m=18 s=0
